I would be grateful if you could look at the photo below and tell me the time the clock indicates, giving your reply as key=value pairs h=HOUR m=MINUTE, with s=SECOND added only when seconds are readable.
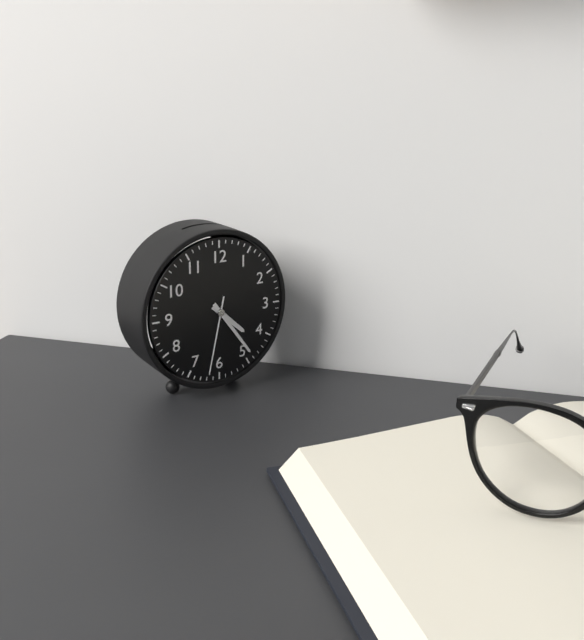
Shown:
h=4 m=24 s=32
